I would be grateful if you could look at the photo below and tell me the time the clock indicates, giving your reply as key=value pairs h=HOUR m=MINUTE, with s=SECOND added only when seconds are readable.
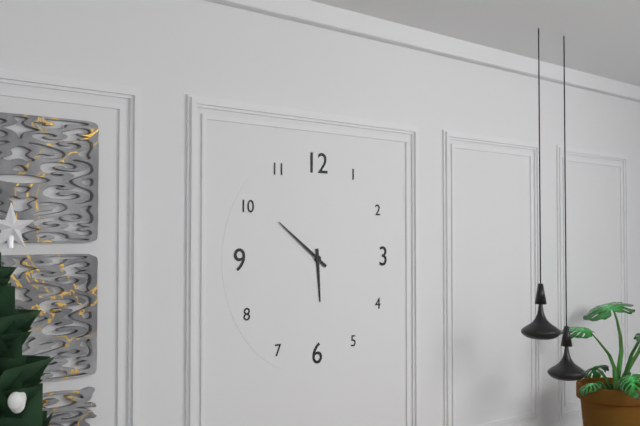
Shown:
h=5 m=51
